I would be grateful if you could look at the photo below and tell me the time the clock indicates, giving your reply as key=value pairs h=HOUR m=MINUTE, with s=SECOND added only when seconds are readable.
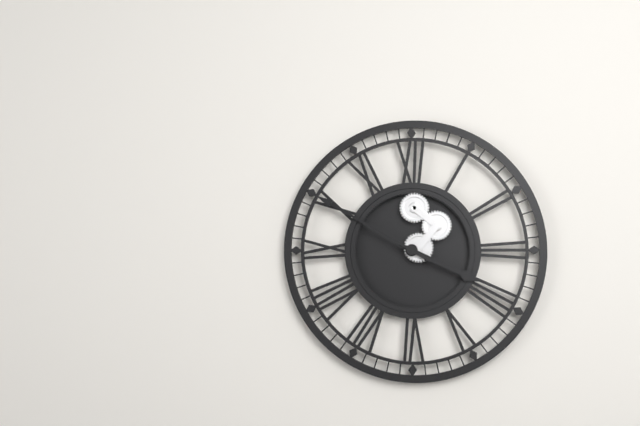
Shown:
h=3 m=50
